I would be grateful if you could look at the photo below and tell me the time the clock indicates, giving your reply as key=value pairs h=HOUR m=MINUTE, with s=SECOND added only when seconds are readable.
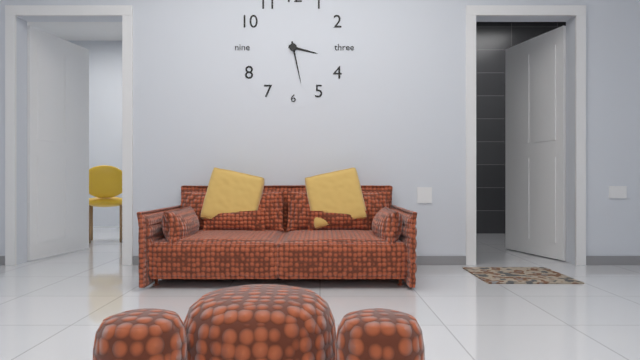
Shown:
h=3 m=28
